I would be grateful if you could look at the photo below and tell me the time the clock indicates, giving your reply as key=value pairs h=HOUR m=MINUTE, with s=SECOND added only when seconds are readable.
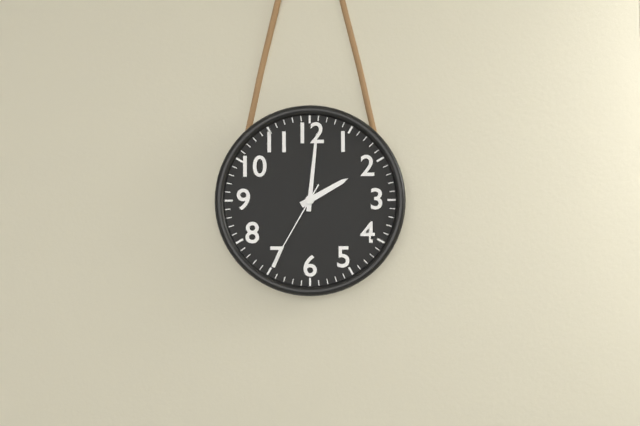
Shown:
h=2 m=1 s=35
